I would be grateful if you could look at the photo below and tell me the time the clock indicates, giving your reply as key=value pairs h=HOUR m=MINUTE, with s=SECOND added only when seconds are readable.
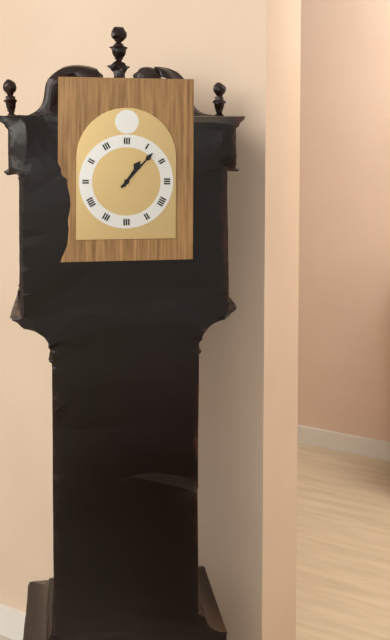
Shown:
h=1 m=7
